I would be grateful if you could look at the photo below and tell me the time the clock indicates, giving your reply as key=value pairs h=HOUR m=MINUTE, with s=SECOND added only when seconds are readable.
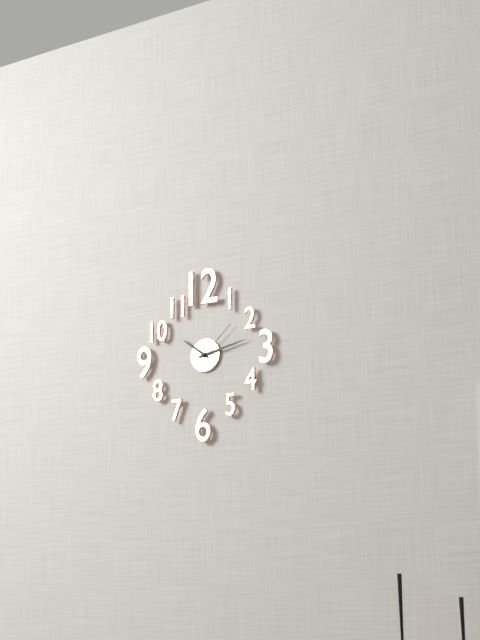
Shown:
h=10 m=13 s=8
